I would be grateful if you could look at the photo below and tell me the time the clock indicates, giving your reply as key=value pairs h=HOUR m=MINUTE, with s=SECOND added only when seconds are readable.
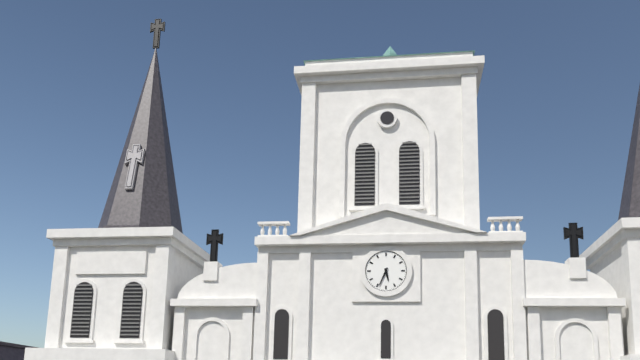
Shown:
h=5 m=34
